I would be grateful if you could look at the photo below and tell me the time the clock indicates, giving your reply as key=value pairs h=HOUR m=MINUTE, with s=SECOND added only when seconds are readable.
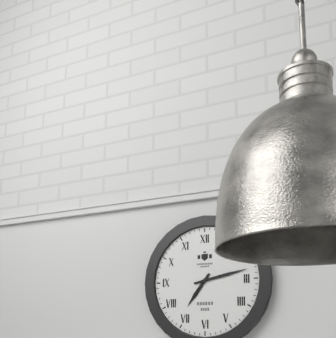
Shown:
h=7 m=13
